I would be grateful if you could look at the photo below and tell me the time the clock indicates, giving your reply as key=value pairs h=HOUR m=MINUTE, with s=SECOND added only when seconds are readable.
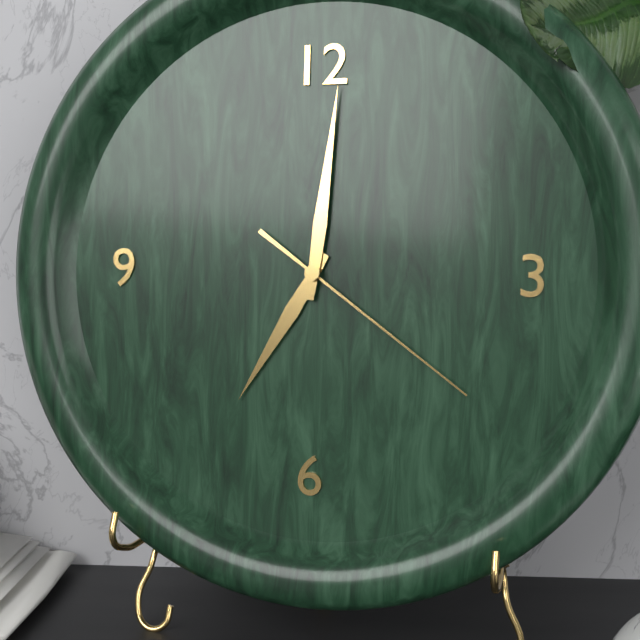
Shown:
h=7 m=1 s=21
